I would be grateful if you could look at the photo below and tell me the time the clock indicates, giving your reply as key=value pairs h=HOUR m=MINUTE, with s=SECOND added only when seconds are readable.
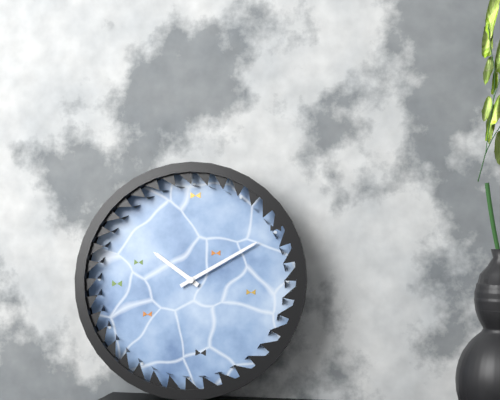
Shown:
h=10 m=10
